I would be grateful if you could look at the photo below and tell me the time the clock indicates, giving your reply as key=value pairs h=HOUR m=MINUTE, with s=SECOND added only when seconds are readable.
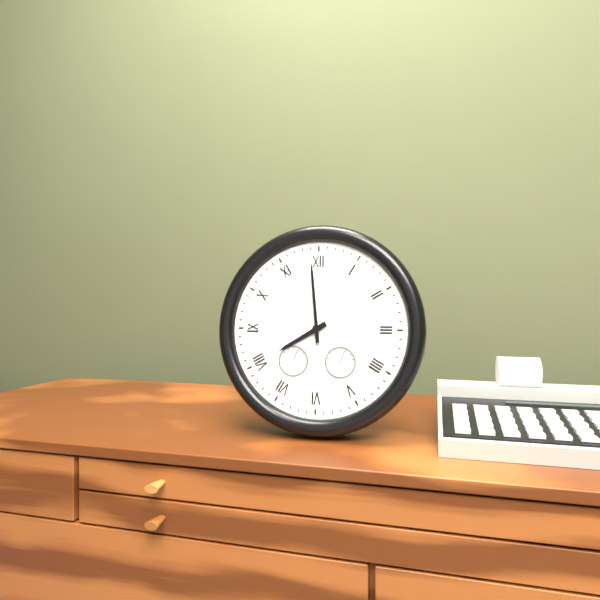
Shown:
h=7 m=59
